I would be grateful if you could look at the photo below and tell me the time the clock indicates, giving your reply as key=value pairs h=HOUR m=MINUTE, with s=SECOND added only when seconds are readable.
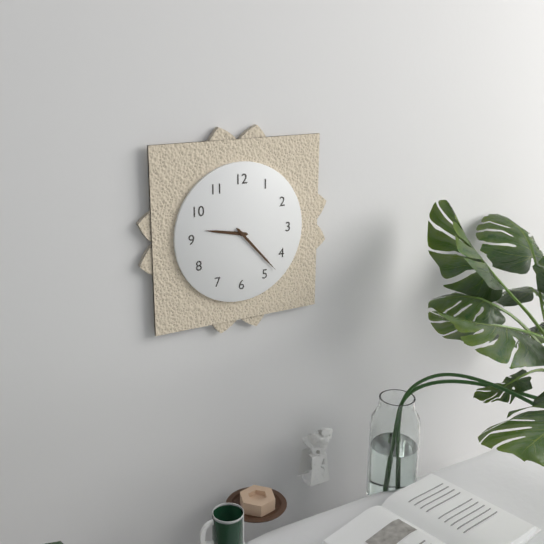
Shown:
h=9 m=23
